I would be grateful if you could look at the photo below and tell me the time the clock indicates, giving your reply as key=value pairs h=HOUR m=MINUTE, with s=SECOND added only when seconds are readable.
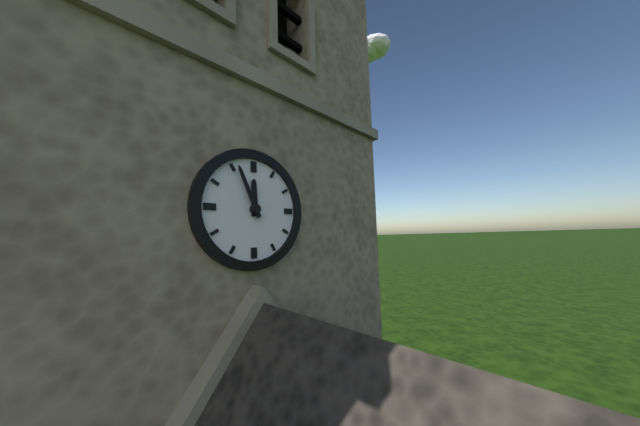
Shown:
h=11 m=56
